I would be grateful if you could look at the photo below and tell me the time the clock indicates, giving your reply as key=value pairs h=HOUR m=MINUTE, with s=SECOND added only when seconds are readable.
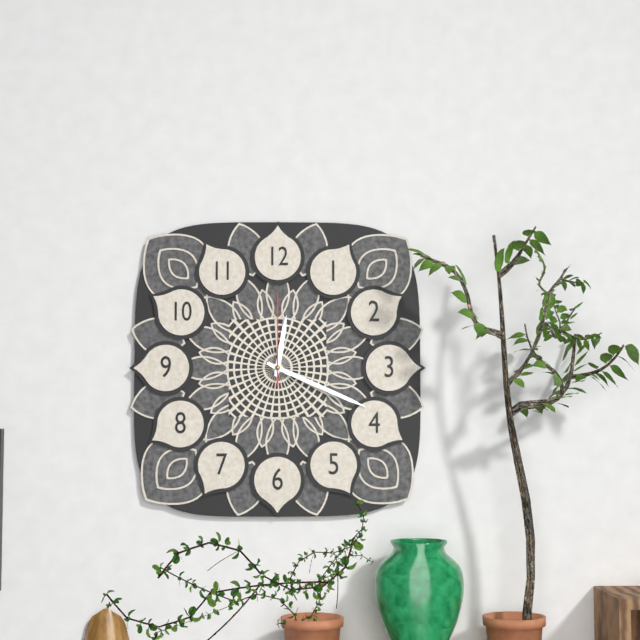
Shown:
h=12 m=19 s=0
